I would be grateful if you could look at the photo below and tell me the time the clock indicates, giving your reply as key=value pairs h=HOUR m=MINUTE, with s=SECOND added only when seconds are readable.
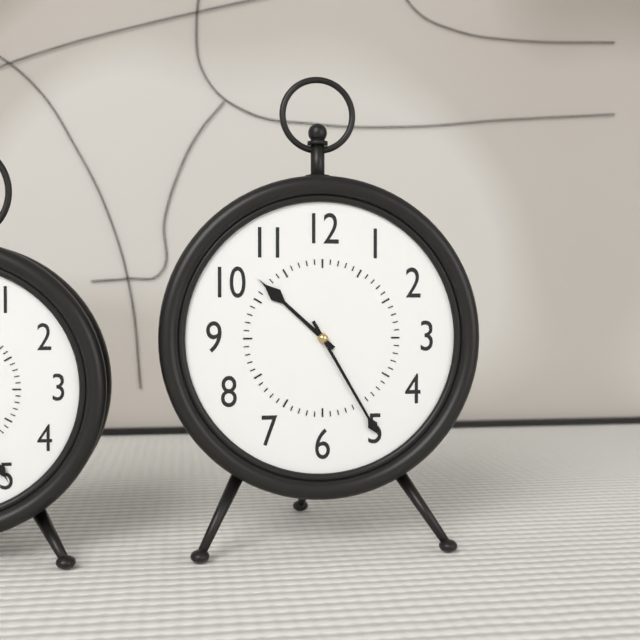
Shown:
h=10 m=25
